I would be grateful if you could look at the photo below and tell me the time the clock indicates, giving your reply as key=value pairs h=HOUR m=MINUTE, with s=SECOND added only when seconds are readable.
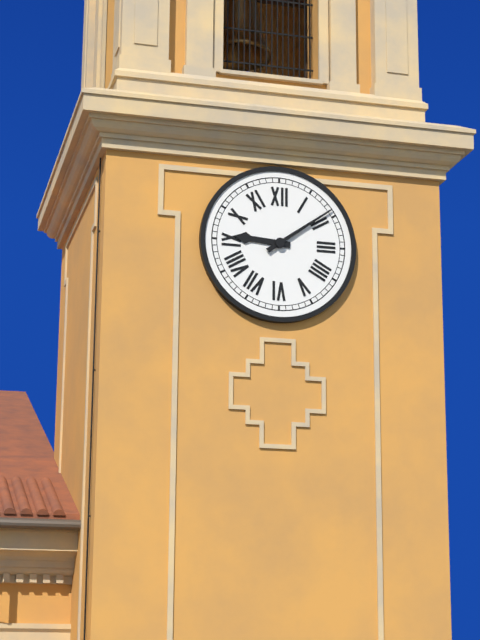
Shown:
h=9 m=9
